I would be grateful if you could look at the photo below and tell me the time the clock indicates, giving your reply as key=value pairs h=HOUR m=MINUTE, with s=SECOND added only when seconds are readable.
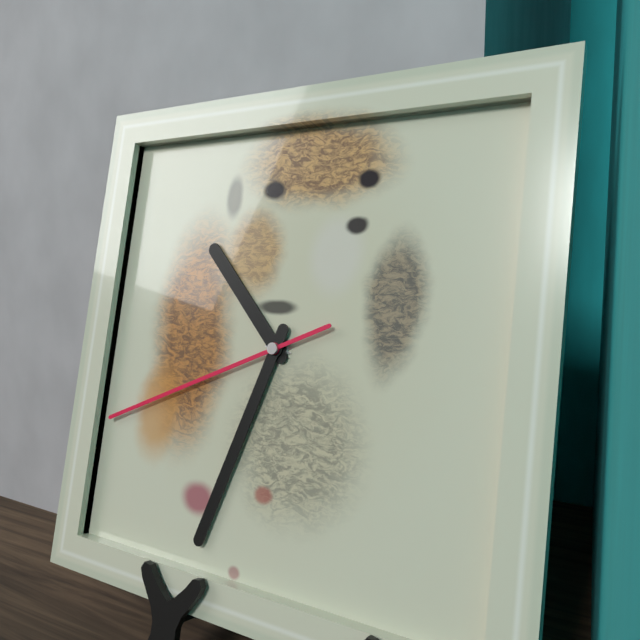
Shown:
h=10 m=33 s=41
